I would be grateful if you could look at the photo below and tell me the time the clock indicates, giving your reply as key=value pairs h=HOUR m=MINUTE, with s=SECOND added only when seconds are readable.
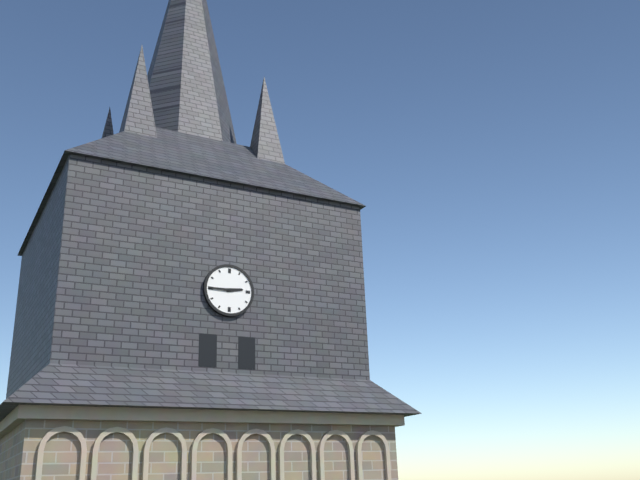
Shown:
h=2 m=45
